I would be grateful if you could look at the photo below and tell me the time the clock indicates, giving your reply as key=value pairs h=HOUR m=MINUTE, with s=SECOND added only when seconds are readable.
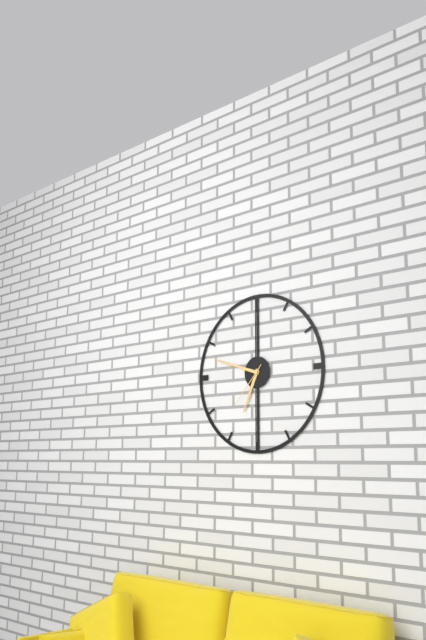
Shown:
h=6 m=48 s=37
